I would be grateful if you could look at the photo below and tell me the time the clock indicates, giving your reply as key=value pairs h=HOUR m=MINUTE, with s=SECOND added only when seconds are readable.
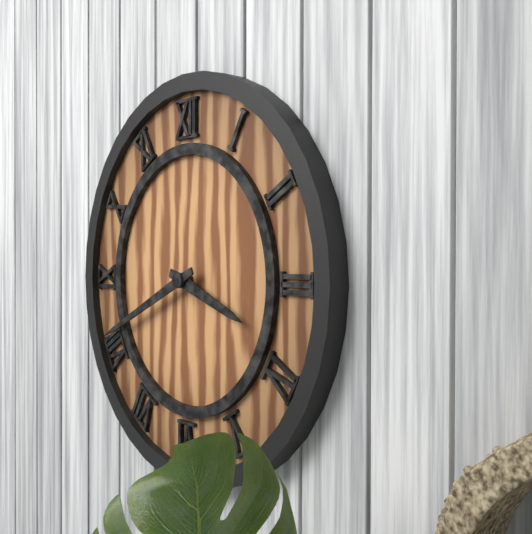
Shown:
h=3 m=41
